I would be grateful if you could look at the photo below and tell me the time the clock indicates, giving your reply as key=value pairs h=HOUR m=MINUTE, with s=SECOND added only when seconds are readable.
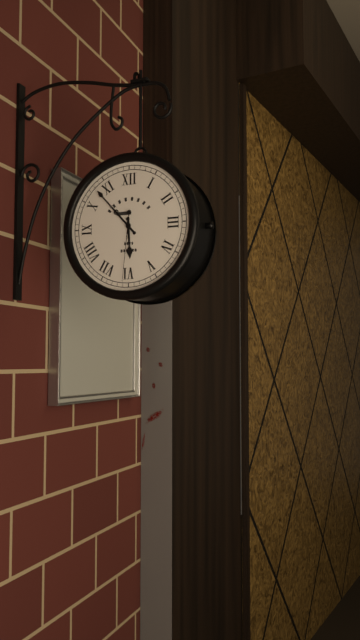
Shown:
h=5 m=53 s=31
